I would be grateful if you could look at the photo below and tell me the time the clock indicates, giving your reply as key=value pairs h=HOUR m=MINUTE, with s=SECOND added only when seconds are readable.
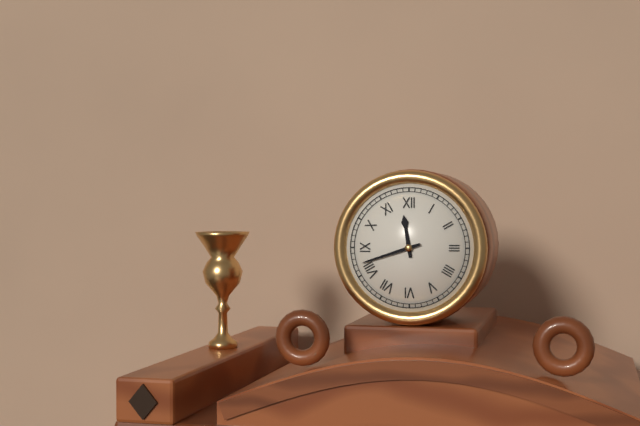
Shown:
h=11 m=42
